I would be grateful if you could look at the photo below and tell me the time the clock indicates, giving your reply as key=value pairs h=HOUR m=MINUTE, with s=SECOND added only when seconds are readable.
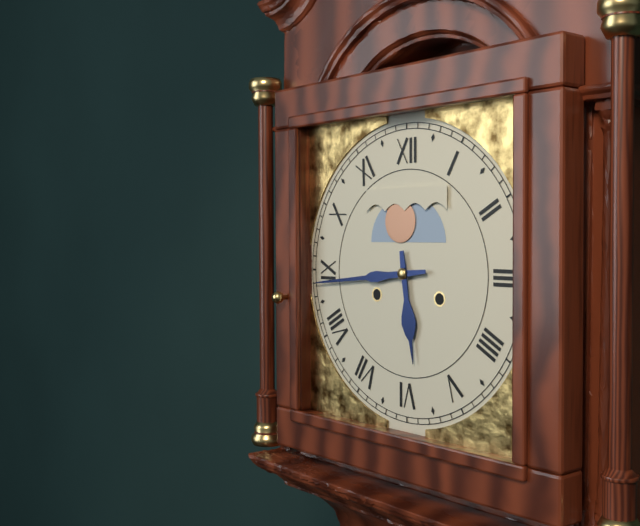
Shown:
h=5 m=44
